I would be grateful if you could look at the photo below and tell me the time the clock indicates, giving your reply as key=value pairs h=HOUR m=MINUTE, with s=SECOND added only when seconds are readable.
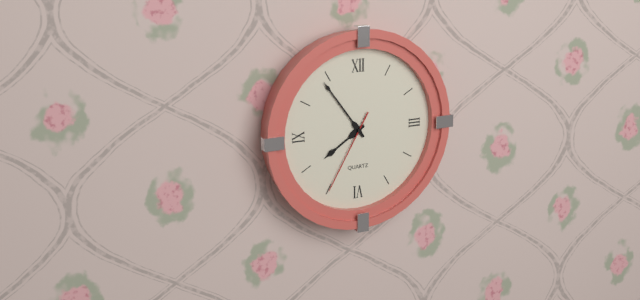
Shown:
h=7 m=54 s=35
